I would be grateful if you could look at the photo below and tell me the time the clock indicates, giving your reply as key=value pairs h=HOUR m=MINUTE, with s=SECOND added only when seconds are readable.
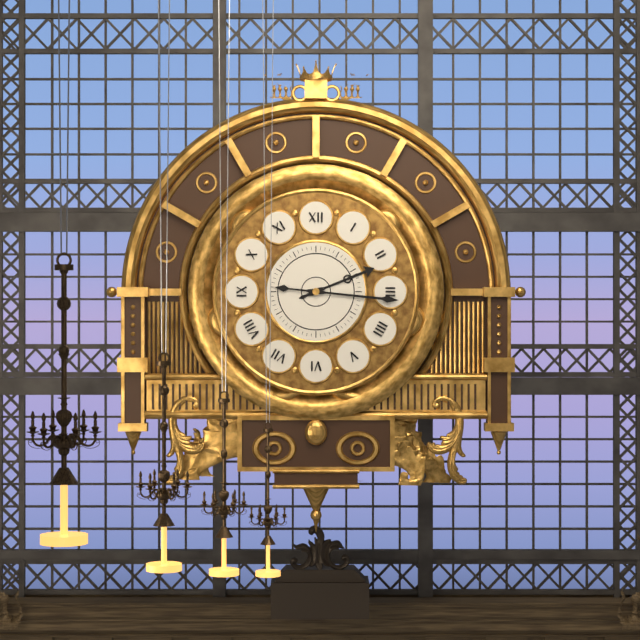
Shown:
h=2 m=16
